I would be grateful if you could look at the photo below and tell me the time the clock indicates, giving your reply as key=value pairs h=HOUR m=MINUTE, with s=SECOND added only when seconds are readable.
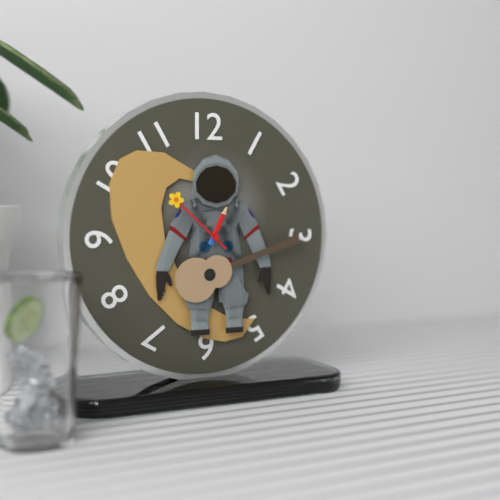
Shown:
h=12 m=52
